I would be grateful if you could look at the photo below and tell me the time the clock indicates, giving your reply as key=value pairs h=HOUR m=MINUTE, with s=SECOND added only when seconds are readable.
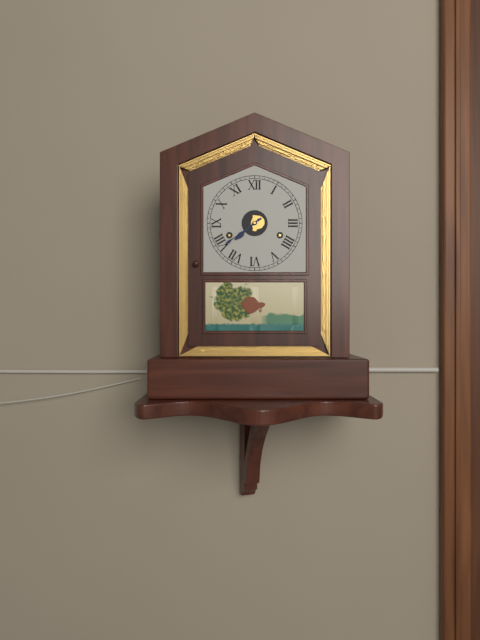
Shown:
h=7 m=39
